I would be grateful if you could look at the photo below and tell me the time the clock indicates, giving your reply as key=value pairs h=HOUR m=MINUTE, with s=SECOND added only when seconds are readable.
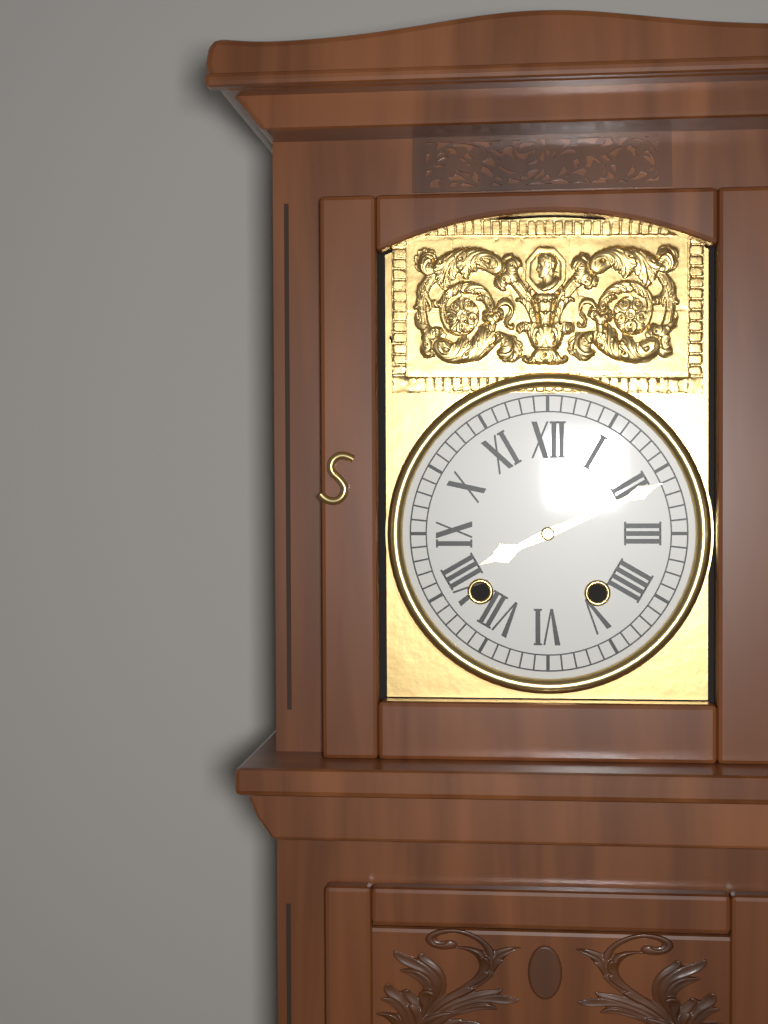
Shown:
h=8 m=11
